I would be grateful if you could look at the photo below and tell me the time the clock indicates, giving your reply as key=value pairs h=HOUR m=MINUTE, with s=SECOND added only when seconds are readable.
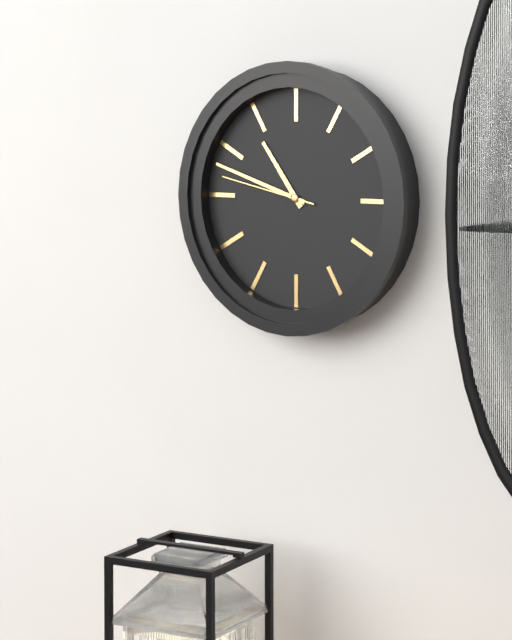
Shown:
h=10 m=48 s=47
